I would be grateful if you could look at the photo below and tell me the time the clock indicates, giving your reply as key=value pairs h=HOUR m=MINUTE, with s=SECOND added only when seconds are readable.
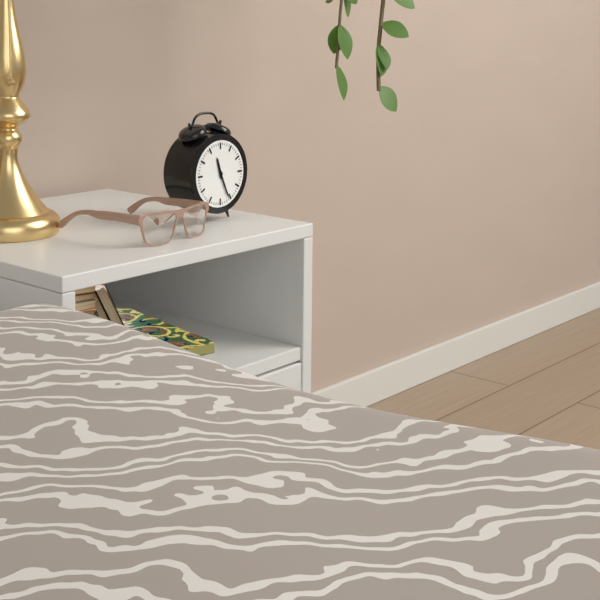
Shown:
h=11 m=26
